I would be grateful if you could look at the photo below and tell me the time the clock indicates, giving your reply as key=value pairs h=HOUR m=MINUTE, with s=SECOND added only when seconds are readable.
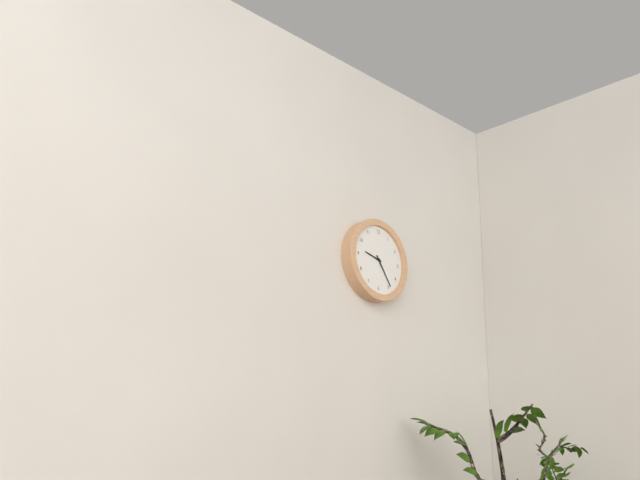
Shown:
h=9 m=24
